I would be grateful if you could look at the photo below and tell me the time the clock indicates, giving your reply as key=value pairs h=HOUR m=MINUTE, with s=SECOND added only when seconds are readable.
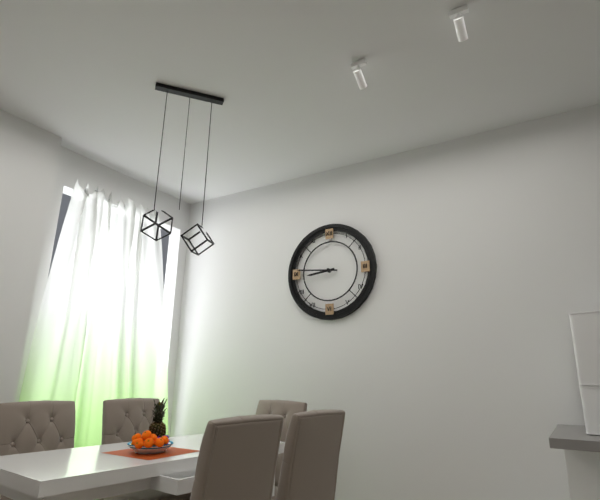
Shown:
h=8 m=46
